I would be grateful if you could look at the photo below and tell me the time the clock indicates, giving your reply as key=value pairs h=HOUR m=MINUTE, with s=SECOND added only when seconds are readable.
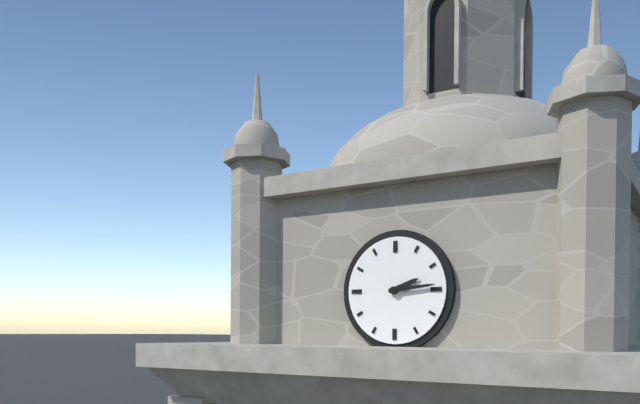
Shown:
h=2 m=14
